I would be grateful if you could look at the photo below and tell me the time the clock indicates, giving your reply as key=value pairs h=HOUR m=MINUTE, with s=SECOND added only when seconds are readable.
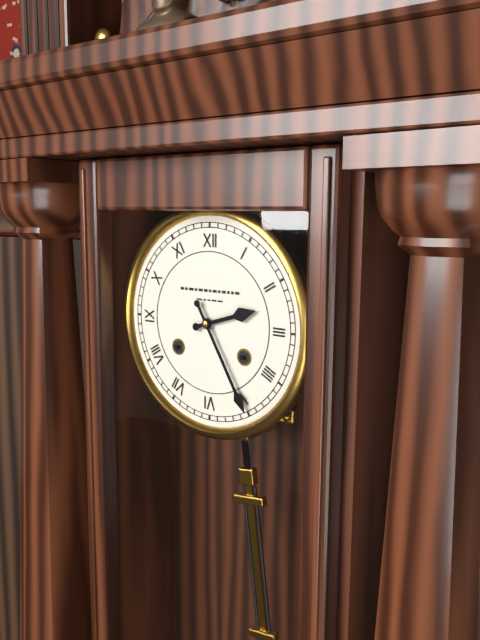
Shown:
h=2 m=25
